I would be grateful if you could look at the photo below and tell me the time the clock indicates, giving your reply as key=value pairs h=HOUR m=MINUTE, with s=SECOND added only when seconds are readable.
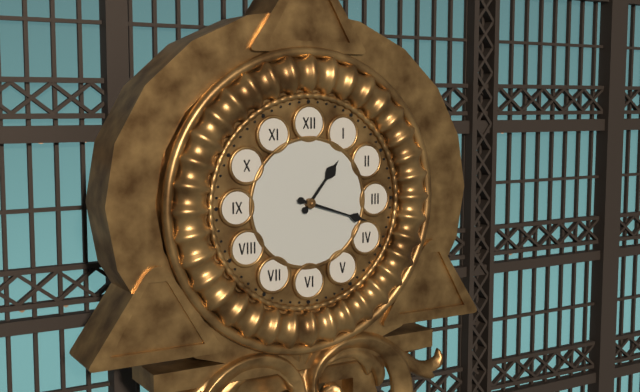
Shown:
h=1 m=18
